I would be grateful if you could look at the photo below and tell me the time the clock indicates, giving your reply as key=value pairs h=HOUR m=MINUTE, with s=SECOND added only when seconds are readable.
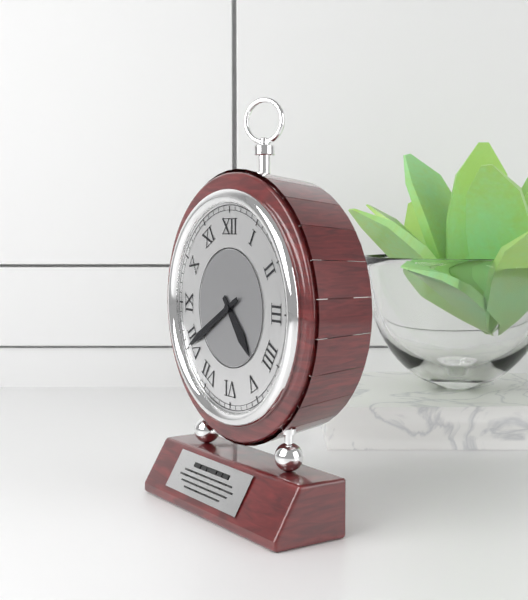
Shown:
h=4 m=40
